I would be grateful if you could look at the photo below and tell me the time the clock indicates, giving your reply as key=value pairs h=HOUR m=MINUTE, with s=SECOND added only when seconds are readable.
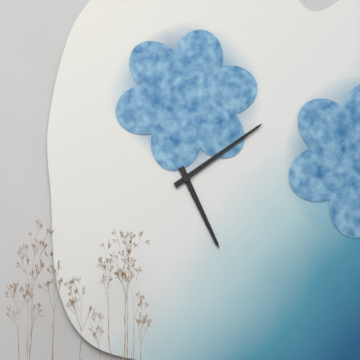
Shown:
h=5 m=9
